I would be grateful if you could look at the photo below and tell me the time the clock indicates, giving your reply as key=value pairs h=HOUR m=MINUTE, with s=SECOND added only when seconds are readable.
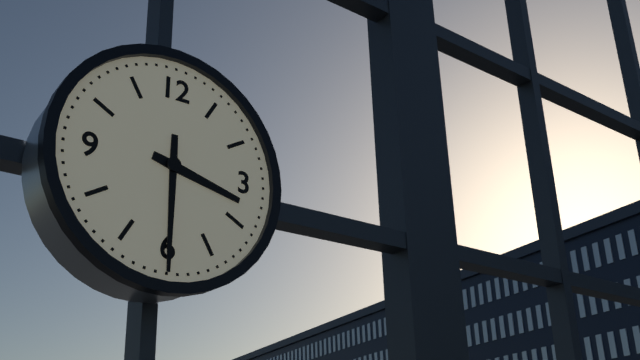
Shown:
h=3 m=30
